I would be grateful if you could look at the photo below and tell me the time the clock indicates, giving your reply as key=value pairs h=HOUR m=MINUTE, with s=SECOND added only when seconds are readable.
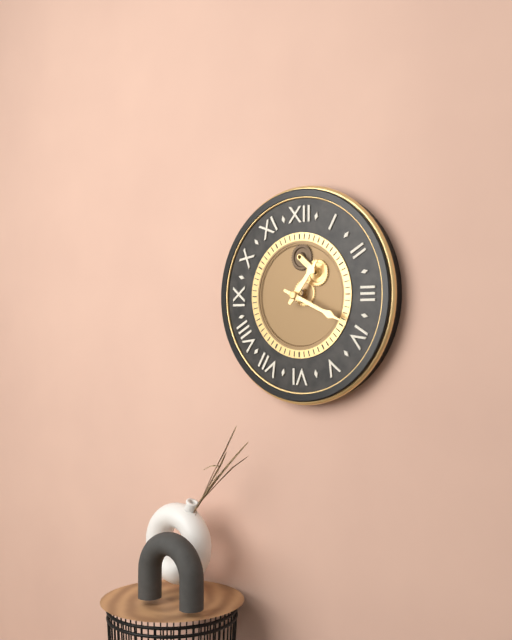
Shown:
h=1 m=19
